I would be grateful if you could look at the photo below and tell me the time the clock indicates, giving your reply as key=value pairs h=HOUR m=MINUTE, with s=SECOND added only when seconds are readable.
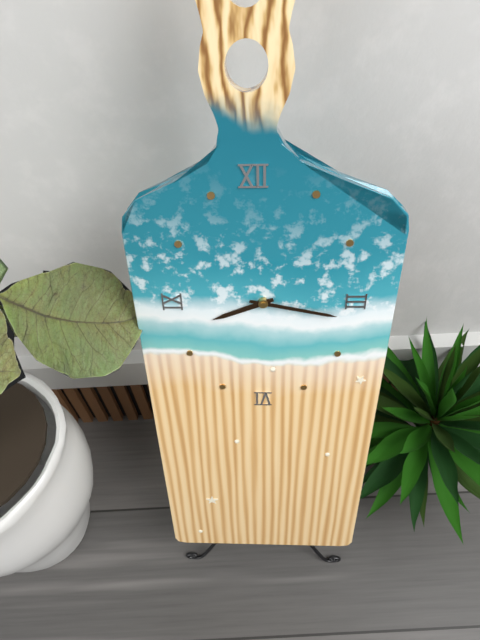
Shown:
h=8 m=17
